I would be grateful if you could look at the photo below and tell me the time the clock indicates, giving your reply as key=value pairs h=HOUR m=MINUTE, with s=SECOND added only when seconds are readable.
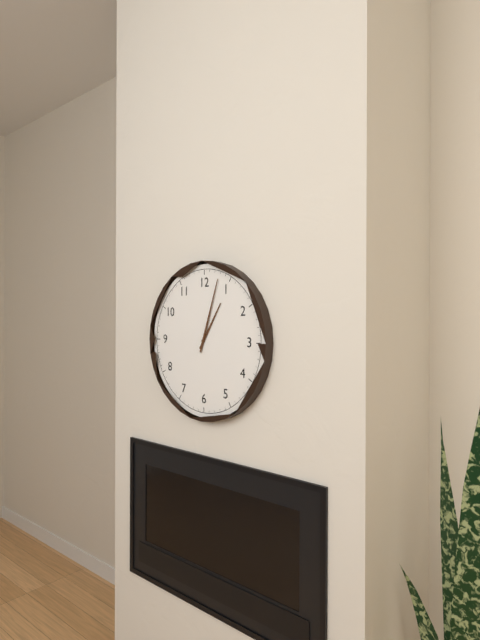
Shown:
h=1 m=3
